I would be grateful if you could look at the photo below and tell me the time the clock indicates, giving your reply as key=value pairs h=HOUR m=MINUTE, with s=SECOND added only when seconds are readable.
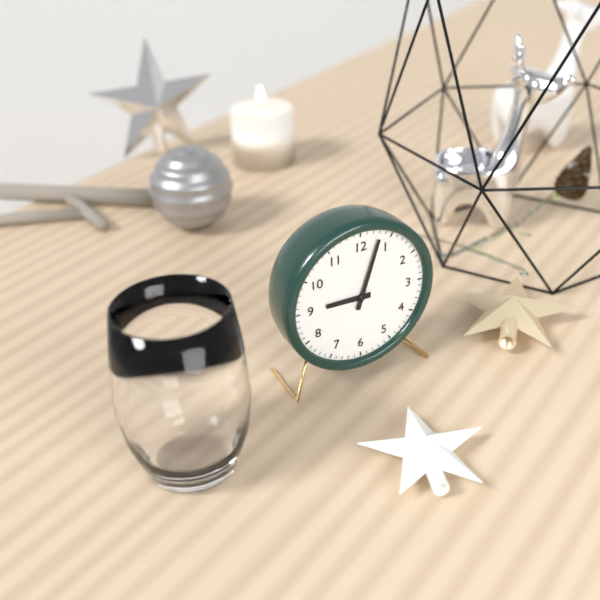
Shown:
h=9 m=3
